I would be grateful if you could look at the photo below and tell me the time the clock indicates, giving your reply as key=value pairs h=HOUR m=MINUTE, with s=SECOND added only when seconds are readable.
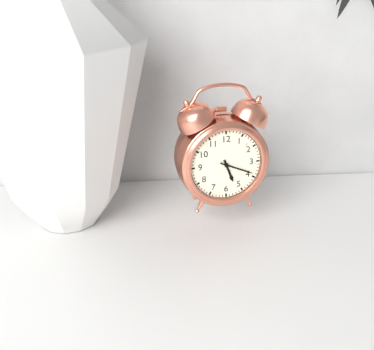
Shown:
h=5 m=19
